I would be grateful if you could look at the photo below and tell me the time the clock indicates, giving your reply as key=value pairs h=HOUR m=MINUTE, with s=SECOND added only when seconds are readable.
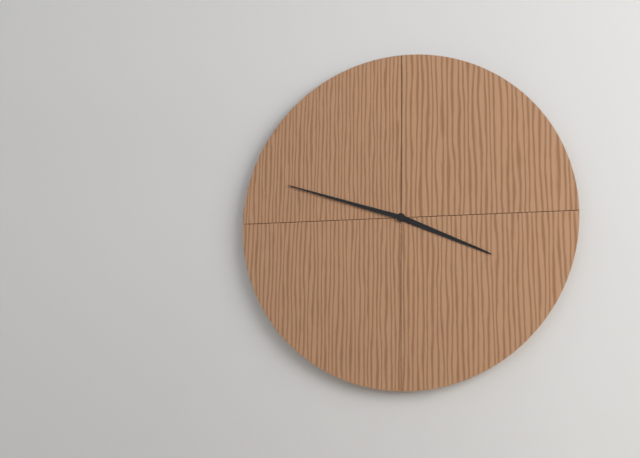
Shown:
h=3 m=48
